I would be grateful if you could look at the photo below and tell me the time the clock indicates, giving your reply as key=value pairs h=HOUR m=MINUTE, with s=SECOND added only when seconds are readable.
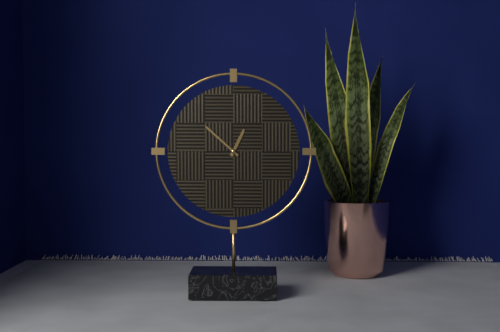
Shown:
h=12 m=52
